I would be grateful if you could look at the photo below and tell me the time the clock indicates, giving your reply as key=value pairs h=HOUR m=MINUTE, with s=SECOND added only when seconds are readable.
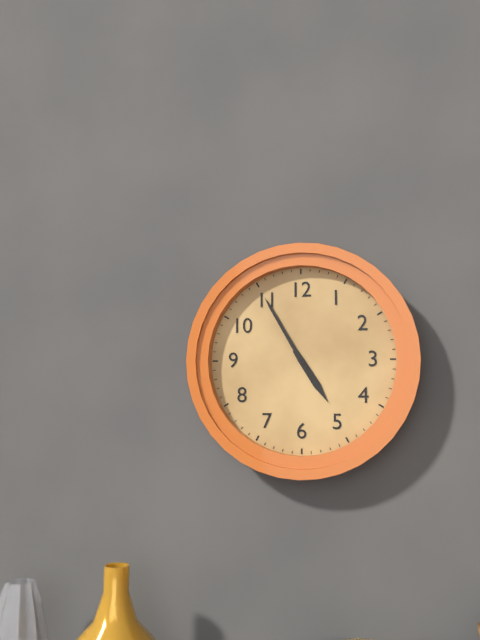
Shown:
h=4 m=55
